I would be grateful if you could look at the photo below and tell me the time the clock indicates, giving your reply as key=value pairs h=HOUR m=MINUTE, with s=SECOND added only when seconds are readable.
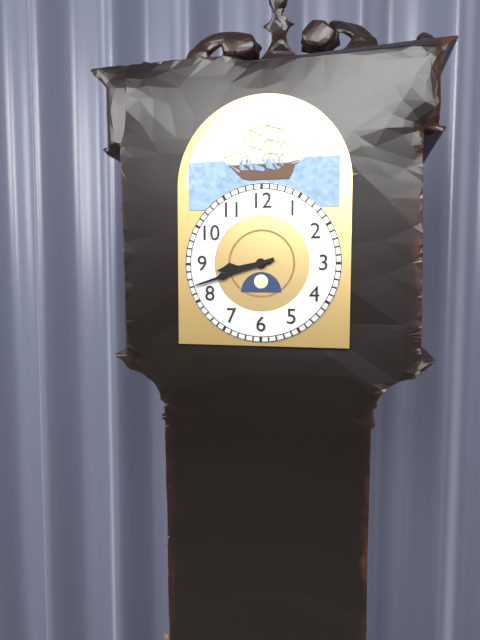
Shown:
h=8 m=42
